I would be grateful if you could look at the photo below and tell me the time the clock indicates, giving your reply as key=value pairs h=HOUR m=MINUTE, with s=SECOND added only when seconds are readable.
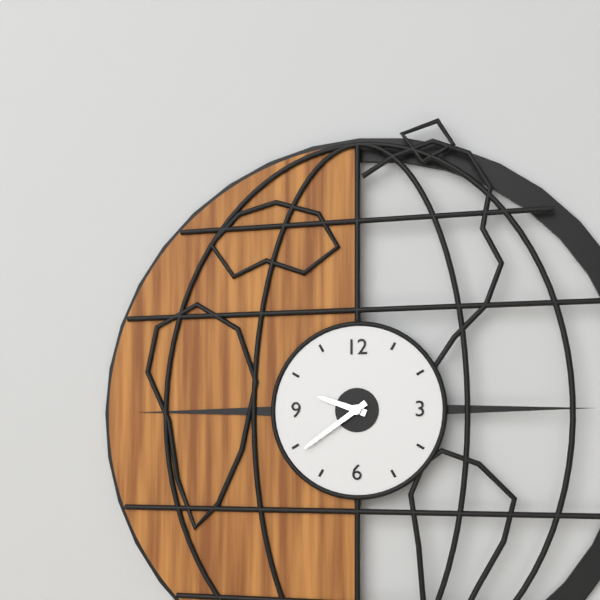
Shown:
h=9 m=39
